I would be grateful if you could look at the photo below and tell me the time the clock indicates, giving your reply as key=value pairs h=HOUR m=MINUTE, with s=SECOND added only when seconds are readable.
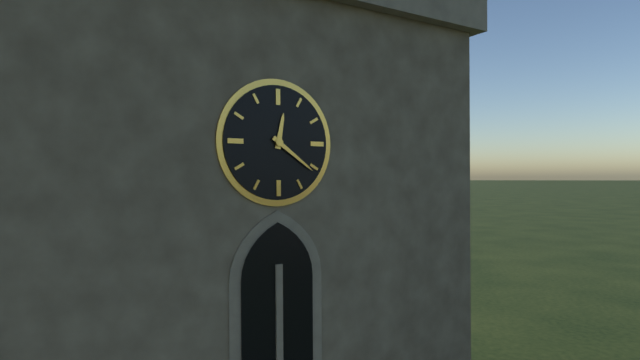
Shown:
h=12 m=21
